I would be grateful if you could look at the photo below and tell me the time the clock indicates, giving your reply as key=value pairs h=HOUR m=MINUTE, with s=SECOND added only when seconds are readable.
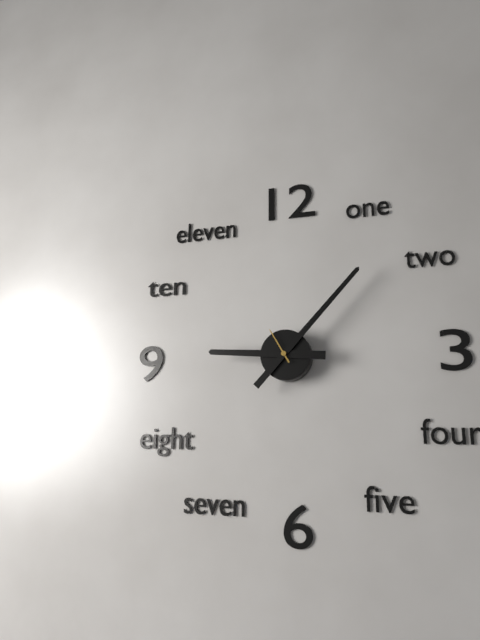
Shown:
h=9 m=7
